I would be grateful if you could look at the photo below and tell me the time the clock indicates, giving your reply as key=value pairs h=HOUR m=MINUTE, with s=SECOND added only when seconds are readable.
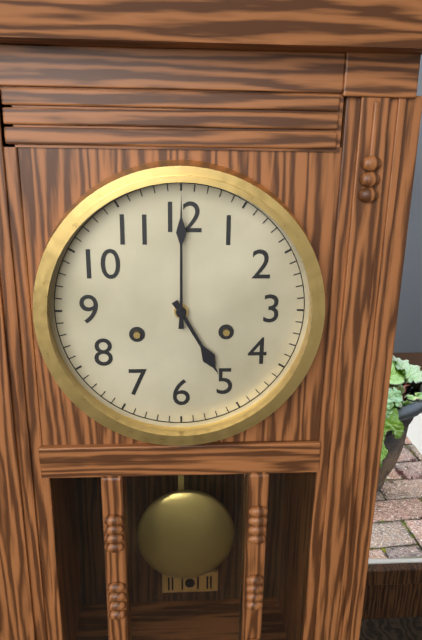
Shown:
h=5 m=0
